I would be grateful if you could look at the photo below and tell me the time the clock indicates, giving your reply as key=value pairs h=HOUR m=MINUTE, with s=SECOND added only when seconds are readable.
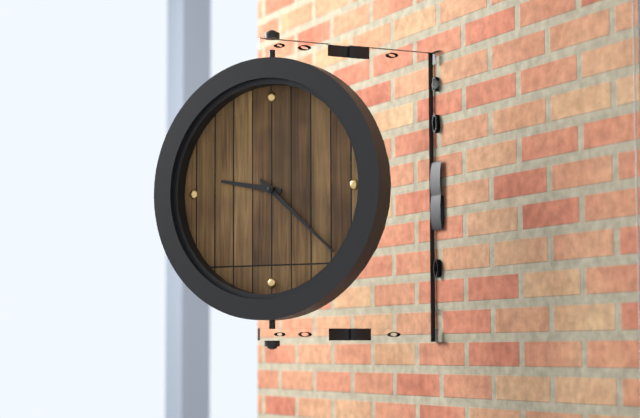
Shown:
h=9 m=22
